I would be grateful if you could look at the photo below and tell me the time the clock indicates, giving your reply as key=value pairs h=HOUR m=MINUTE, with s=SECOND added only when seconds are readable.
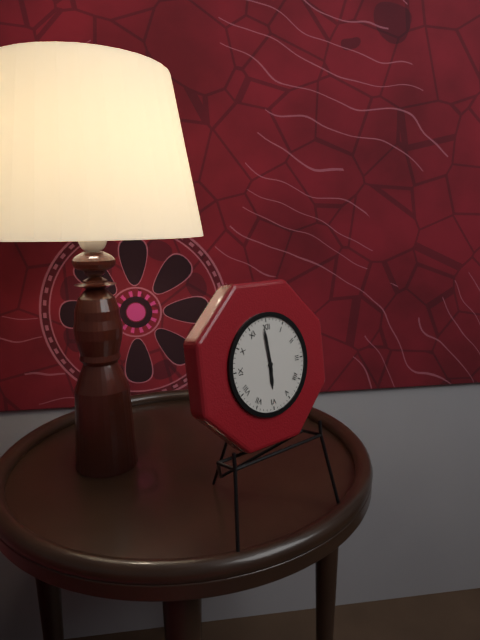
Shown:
h=5 m=59
